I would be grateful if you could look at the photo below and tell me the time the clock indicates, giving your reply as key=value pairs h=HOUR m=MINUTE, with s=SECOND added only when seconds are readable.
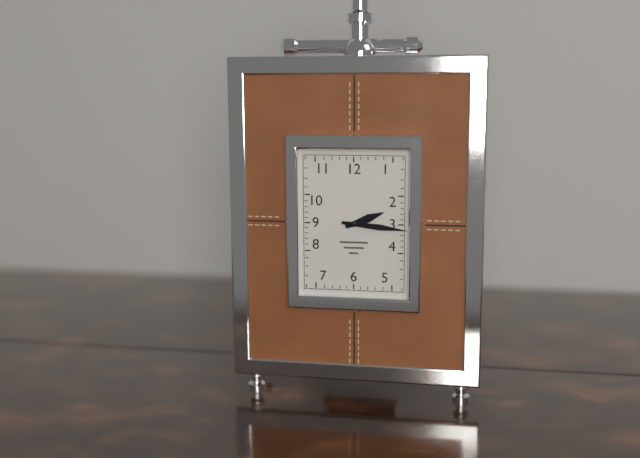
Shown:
h=2 m=16
